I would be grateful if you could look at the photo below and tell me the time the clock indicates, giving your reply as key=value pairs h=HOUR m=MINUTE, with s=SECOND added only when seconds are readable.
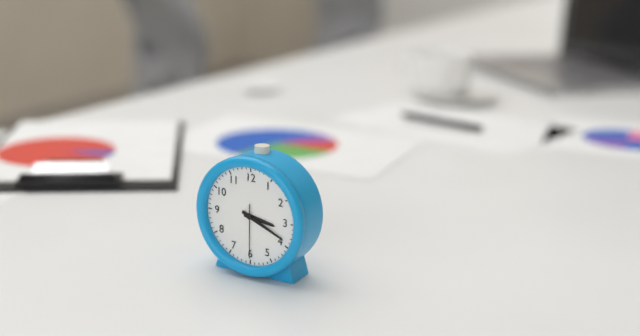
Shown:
h=3 m=19 s=30
